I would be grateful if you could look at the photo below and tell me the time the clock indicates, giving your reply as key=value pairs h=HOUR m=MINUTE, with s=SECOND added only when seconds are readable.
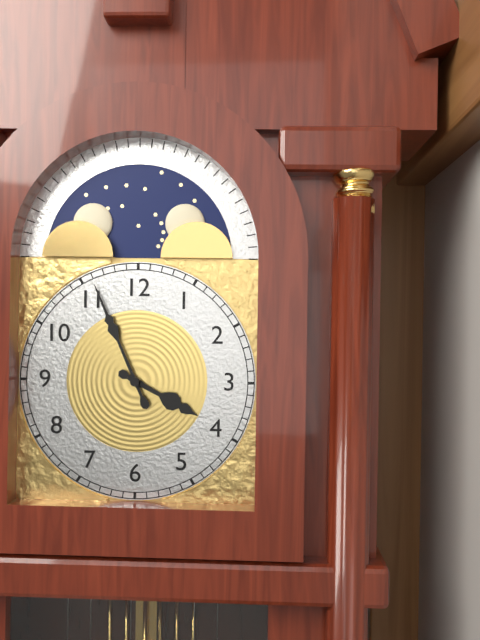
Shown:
h=3 m=56
